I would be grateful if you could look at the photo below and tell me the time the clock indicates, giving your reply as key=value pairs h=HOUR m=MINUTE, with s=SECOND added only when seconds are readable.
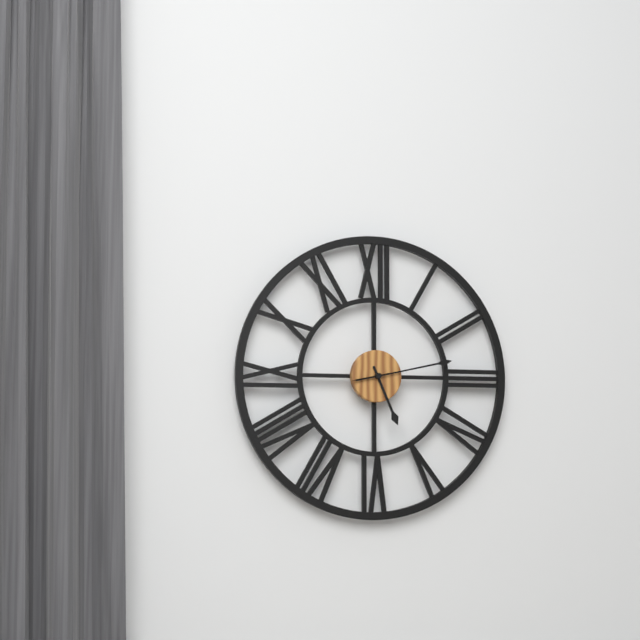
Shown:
h=5 m=13
